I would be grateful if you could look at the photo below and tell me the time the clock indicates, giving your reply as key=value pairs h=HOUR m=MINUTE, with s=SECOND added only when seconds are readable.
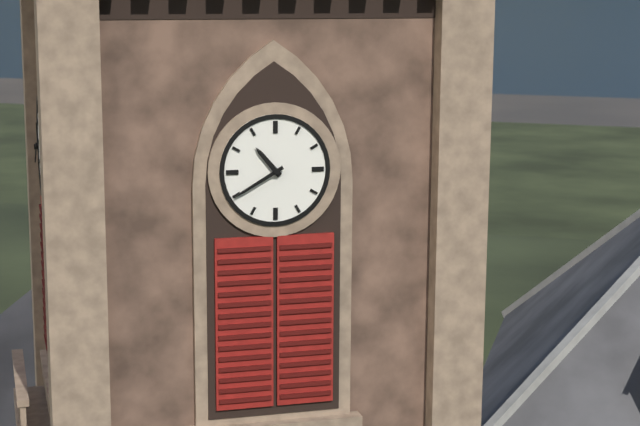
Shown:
h=10 m=40
